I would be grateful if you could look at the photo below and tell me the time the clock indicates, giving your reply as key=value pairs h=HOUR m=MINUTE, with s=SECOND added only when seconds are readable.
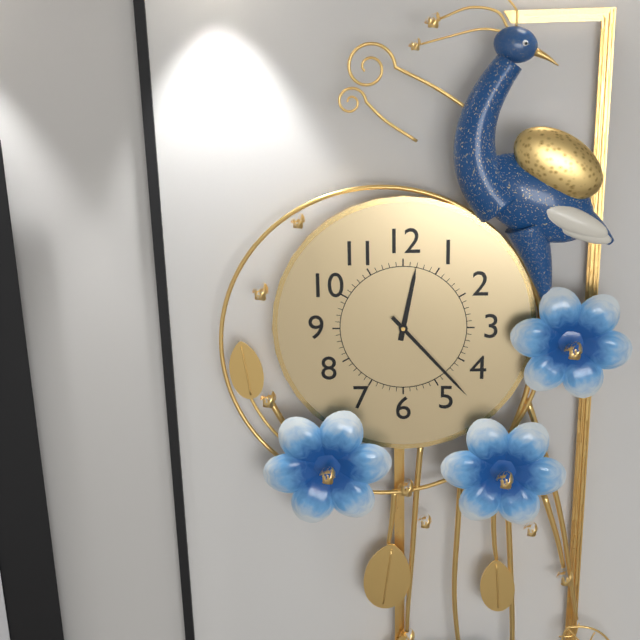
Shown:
h=12 m=23
